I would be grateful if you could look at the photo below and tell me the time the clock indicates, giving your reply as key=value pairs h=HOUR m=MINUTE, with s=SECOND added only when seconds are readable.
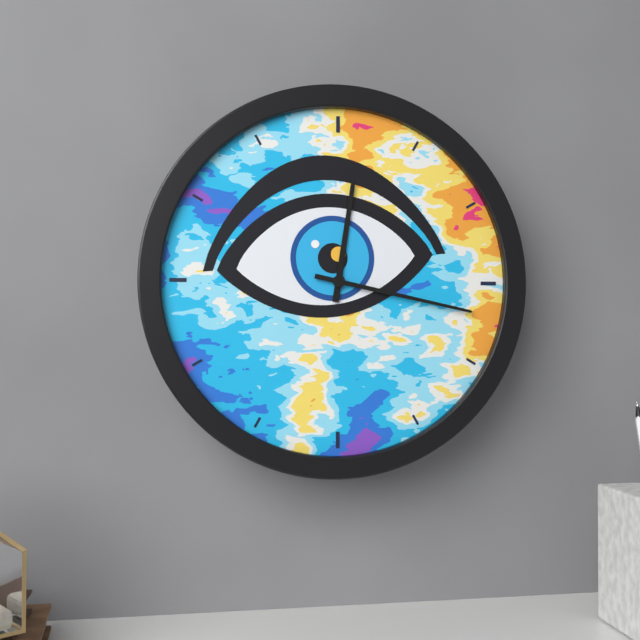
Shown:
h=12 m=17
